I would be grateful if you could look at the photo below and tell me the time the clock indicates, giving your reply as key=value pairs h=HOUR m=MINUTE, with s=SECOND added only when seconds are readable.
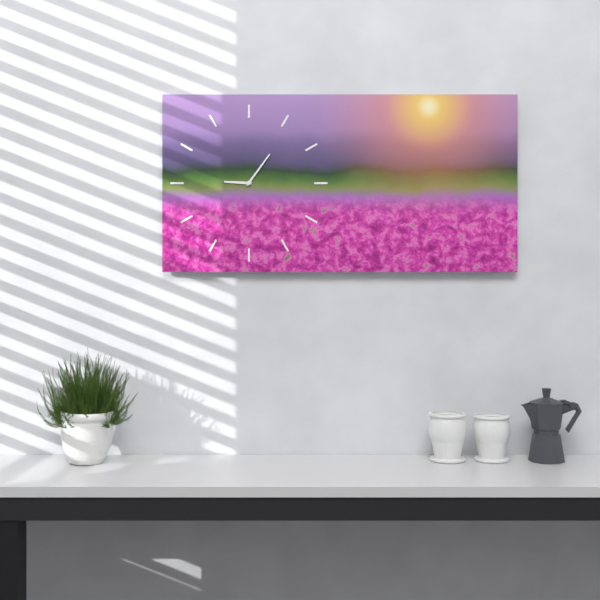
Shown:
h=9 m=6
